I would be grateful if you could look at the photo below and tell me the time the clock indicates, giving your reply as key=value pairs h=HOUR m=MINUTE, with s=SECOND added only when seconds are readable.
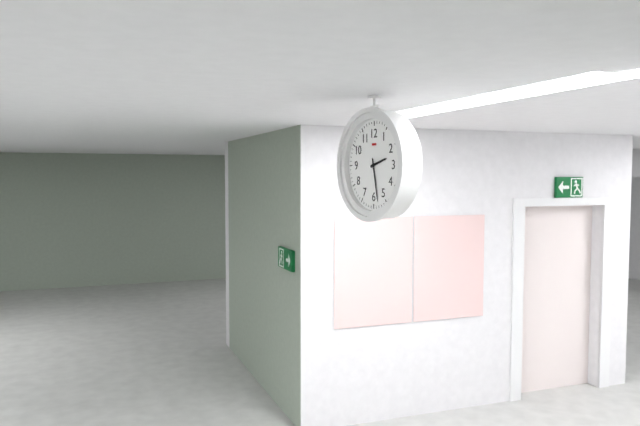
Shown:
h=2 m=28
